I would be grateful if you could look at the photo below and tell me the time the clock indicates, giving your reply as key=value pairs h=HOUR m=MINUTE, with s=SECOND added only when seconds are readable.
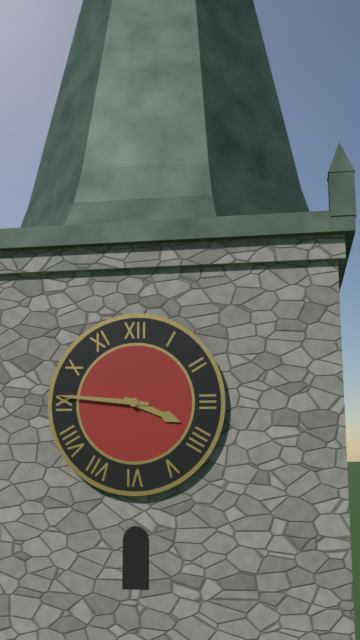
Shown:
h=3 m=46
